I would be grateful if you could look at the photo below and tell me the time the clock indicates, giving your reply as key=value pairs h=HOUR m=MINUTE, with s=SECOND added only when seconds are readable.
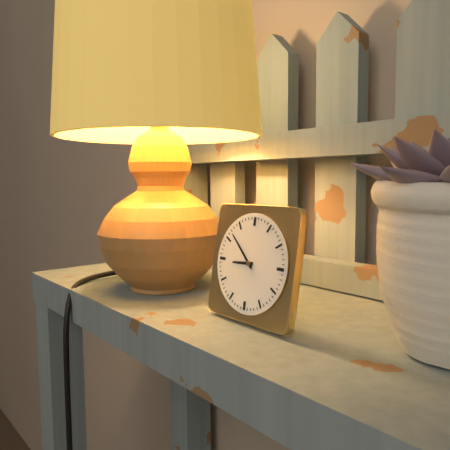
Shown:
h=8 m=52
